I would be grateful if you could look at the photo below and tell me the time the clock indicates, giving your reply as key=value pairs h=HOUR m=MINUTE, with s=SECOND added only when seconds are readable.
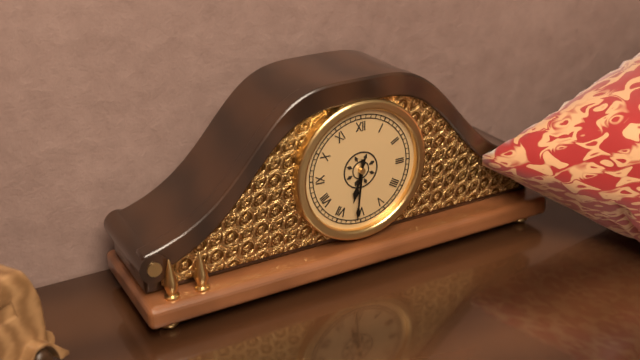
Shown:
h=6 m=31
